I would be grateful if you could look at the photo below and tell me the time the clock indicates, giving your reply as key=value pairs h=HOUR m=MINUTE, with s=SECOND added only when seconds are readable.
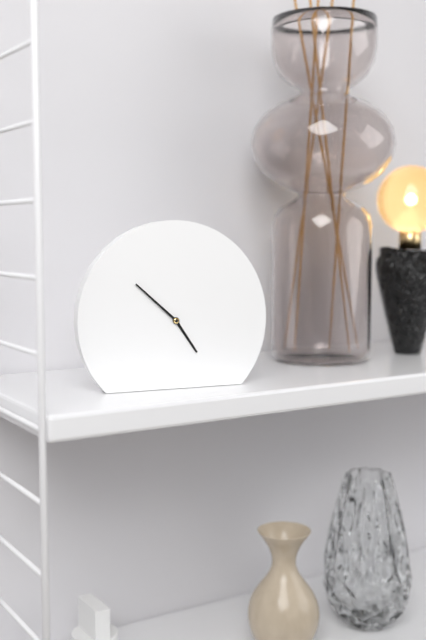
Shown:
h=4 m=52
